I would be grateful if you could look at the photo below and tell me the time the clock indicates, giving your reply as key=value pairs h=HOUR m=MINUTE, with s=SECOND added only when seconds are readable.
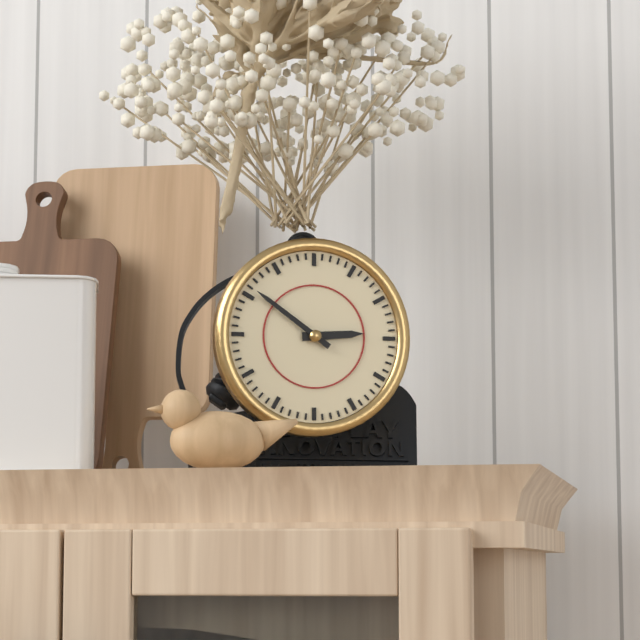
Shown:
h=2 m=51
